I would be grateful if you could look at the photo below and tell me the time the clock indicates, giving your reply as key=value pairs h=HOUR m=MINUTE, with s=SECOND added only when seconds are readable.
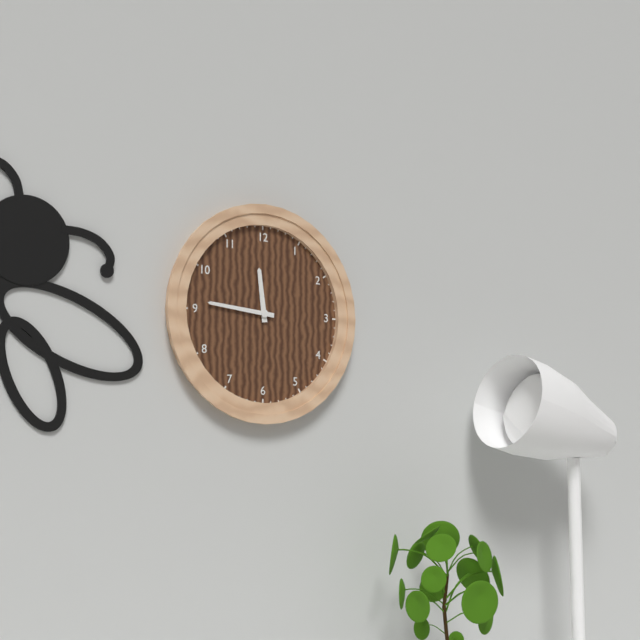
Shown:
h=11 m=46
